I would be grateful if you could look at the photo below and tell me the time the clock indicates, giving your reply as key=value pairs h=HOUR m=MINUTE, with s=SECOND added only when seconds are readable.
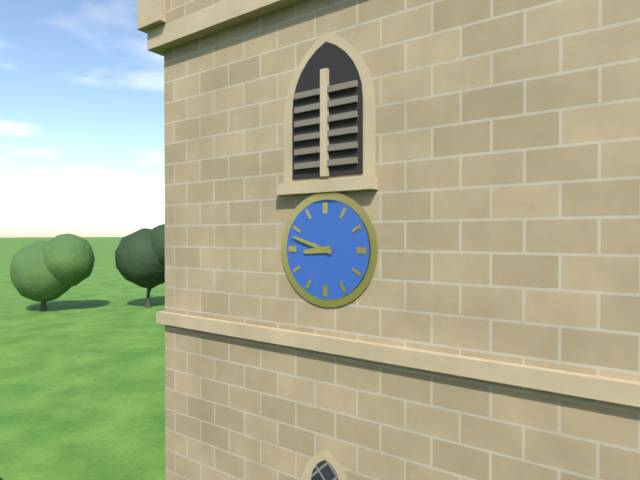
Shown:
h=8 m=48
